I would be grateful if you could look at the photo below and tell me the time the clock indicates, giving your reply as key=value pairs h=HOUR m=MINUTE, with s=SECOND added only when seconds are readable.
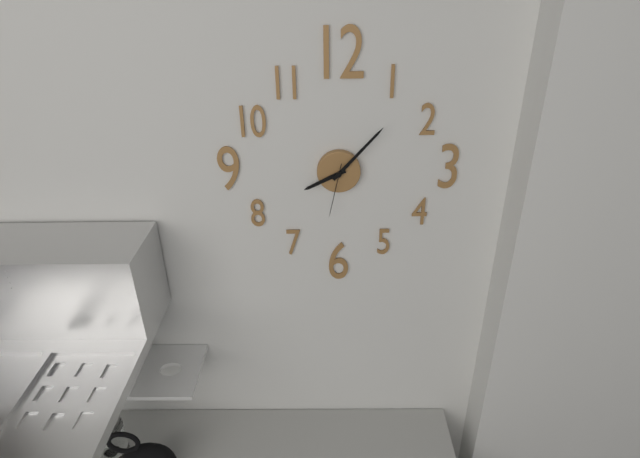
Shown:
h=8 m=7 s=32
